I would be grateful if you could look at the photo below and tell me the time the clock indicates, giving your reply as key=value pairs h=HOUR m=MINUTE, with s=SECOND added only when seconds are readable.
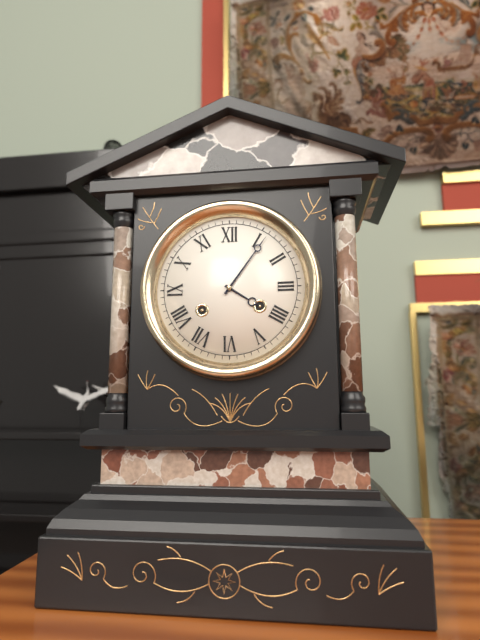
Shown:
h=4 m=6
